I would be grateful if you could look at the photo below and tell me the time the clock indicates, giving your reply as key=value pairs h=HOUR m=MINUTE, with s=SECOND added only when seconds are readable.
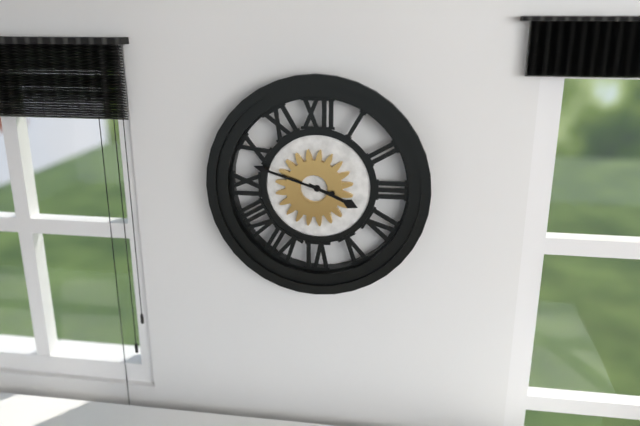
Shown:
h=3 m=48
